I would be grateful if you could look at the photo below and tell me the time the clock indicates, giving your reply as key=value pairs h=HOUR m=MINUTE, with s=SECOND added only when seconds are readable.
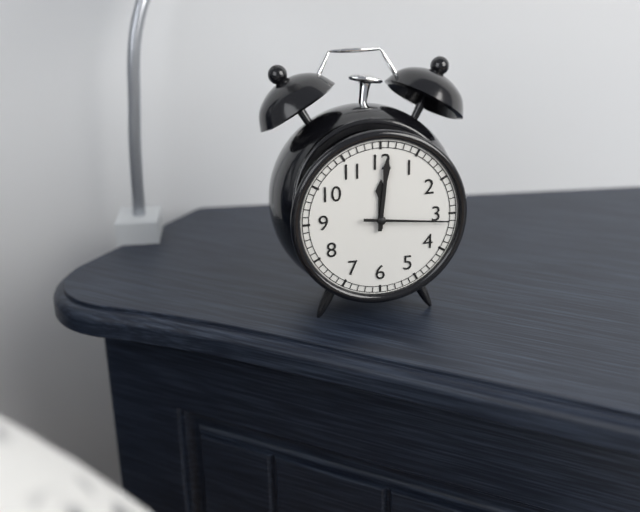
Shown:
h=12 m=1 s=16
